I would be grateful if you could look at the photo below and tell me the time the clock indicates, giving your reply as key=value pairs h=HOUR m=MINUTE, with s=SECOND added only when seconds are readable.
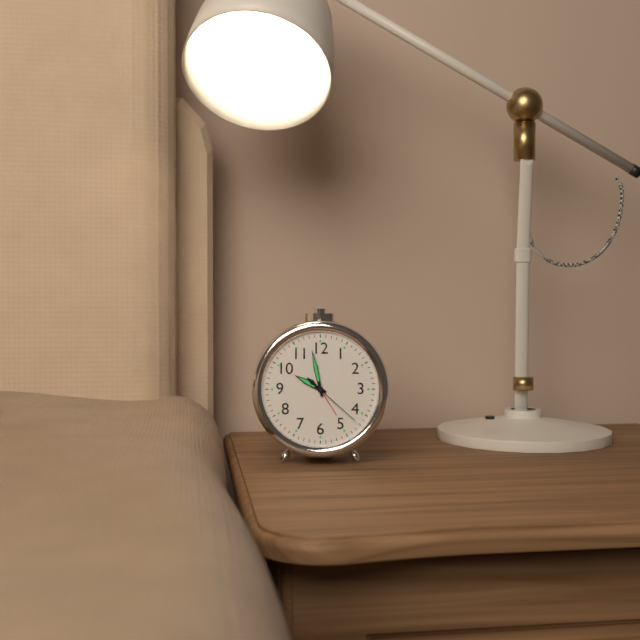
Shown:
h=9 m=58 s=22
